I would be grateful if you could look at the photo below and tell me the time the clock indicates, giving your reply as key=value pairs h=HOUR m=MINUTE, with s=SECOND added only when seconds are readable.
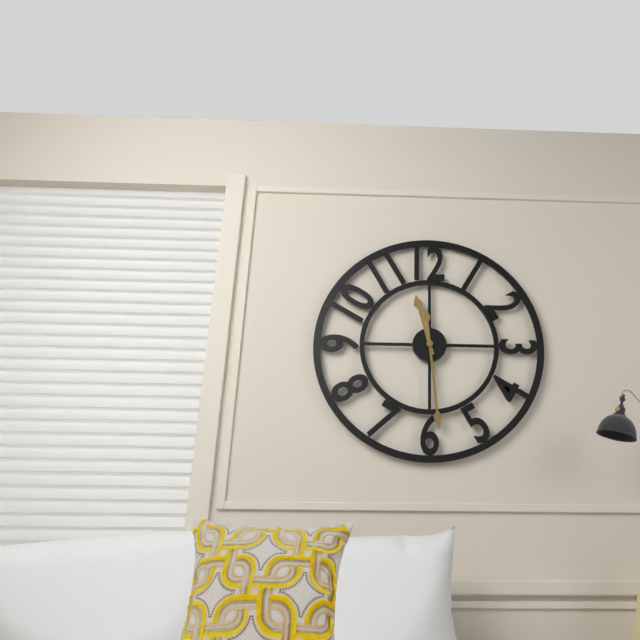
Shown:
h=11 m=29
